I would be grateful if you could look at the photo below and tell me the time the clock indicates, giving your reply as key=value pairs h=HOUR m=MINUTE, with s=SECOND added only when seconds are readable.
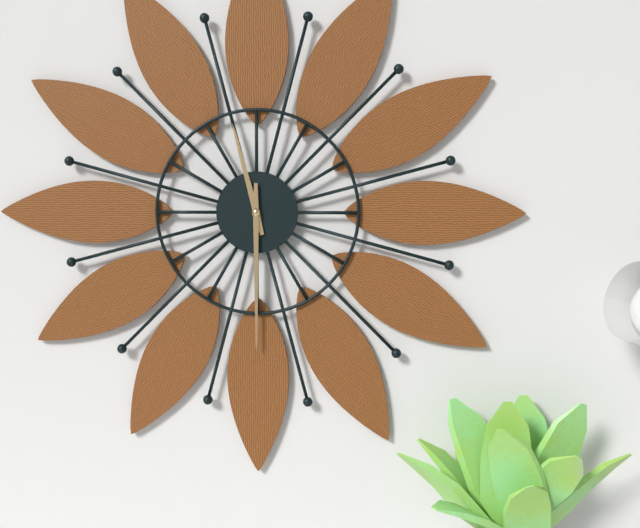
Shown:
h=11 m=30
